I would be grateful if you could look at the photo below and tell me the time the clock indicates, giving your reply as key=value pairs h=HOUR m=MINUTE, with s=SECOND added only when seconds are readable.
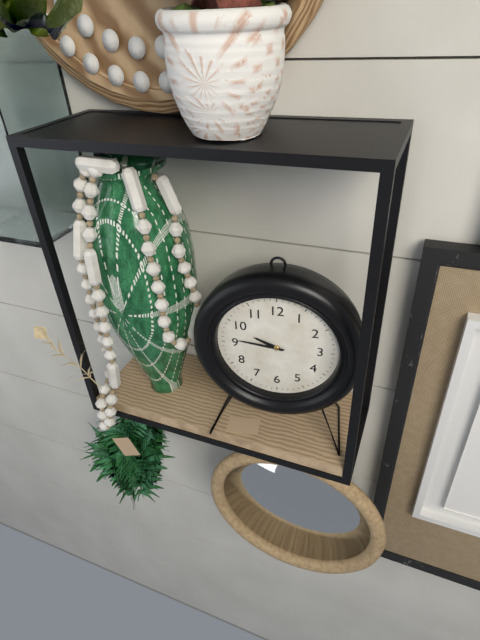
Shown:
h=9 m=46
